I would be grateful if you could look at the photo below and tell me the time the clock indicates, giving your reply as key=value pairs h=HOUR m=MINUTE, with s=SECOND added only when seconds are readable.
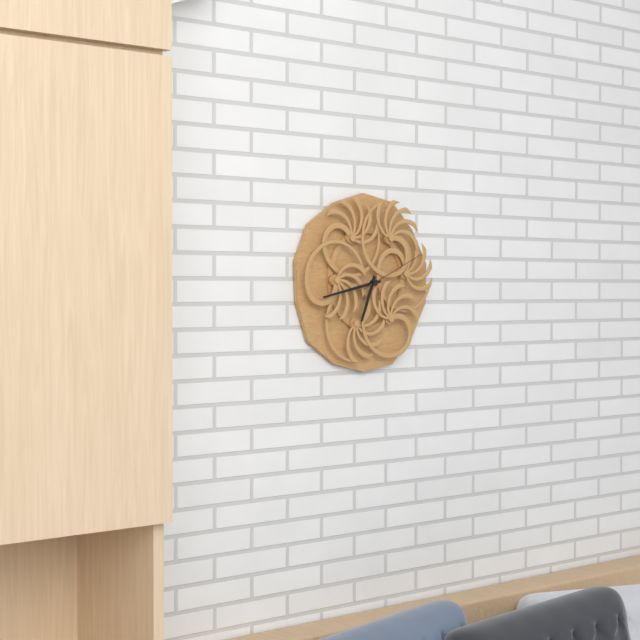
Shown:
h=6 m=43 s=11
